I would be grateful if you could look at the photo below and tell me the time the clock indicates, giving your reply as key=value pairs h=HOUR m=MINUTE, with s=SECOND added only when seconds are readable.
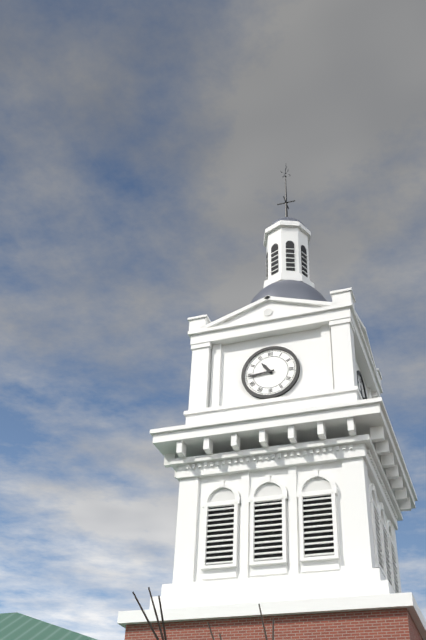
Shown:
h=10 m=44
